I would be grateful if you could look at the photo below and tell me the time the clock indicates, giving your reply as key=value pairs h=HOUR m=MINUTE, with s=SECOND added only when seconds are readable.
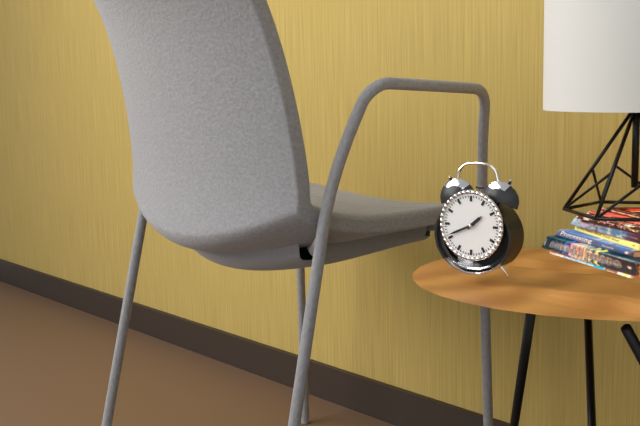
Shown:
h=1 m=41
